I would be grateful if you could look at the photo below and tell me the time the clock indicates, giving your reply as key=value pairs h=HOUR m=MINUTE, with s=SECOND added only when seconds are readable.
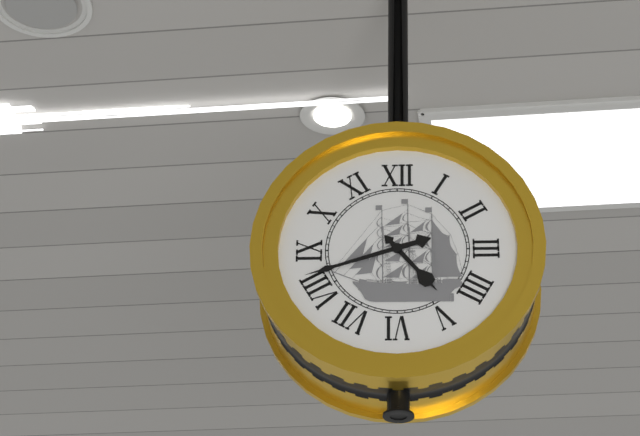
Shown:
h=4 m=42
